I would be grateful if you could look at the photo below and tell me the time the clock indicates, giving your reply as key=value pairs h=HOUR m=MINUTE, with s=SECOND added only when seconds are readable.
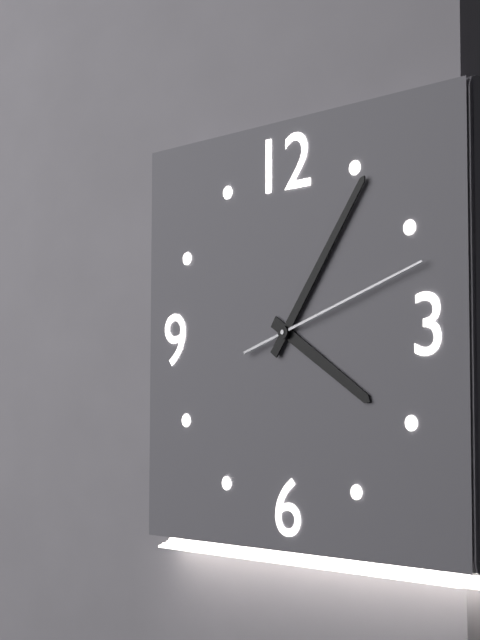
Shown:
h=4 m=6 s=12
